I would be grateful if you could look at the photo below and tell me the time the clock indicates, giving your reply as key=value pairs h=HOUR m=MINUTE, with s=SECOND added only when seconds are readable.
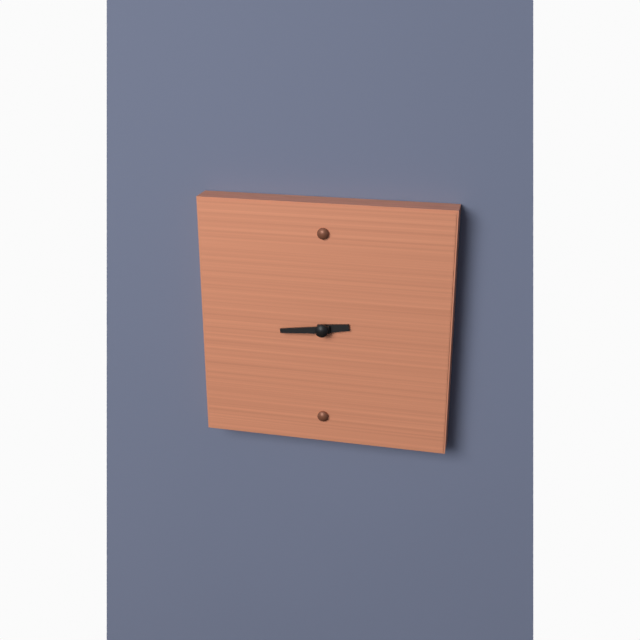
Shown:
h=2 m=44
